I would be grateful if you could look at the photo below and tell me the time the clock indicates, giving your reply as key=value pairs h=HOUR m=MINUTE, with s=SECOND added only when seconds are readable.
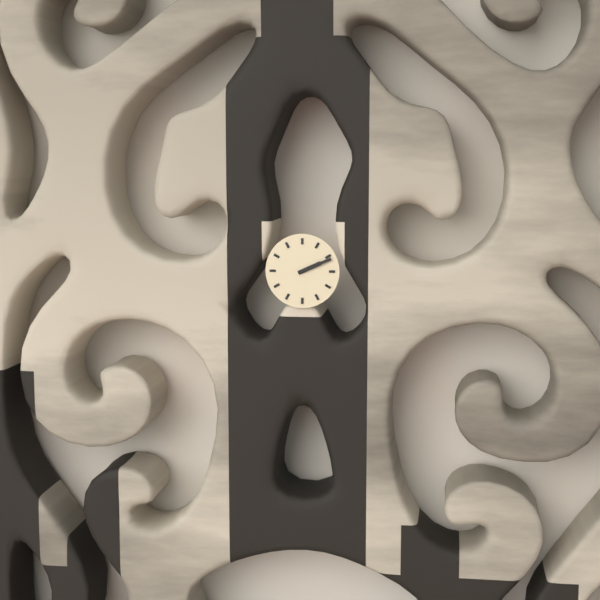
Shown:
h=2 m=11
